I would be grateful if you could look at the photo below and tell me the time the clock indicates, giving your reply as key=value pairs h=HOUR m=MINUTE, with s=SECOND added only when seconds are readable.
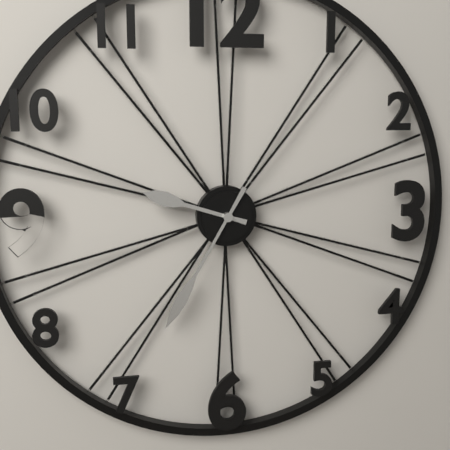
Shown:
h=9 m=35
